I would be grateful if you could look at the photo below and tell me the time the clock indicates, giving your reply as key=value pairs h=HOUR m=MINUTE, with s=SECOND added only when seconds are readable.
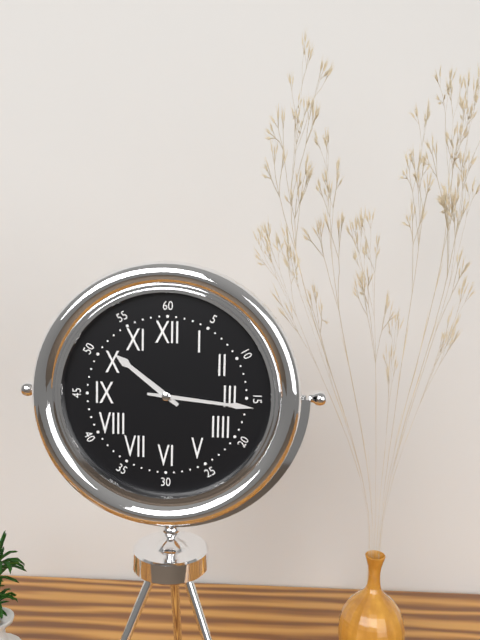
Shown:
h=10 m=16
